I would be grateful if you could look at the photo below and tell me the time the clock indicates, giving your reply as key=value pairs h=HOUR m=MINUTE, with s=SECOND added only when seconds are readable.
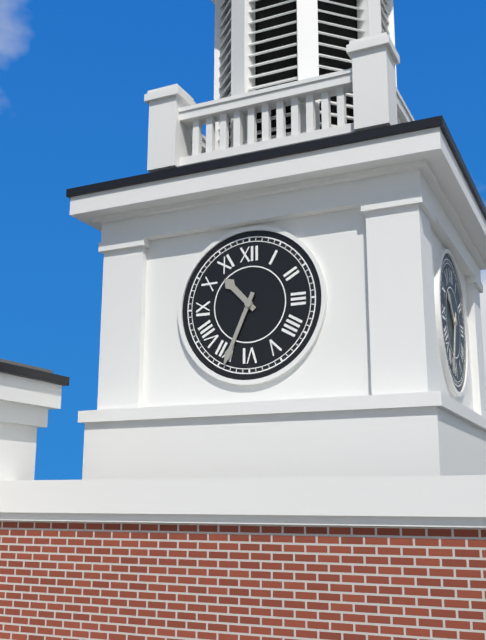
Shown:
h=10 m=34
